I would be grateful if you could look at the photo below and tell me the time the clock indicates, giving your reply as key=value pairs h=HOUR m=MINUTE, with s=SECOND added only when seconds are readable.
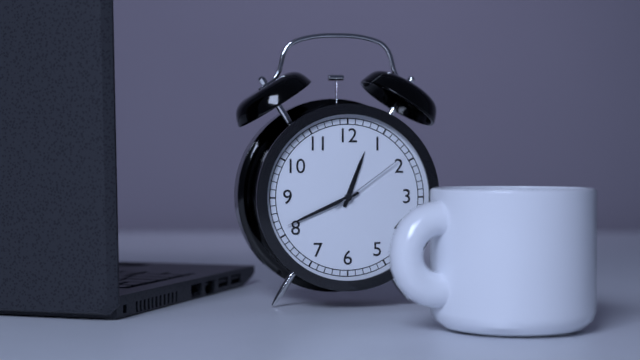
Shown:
h=12 m=41 s=9
